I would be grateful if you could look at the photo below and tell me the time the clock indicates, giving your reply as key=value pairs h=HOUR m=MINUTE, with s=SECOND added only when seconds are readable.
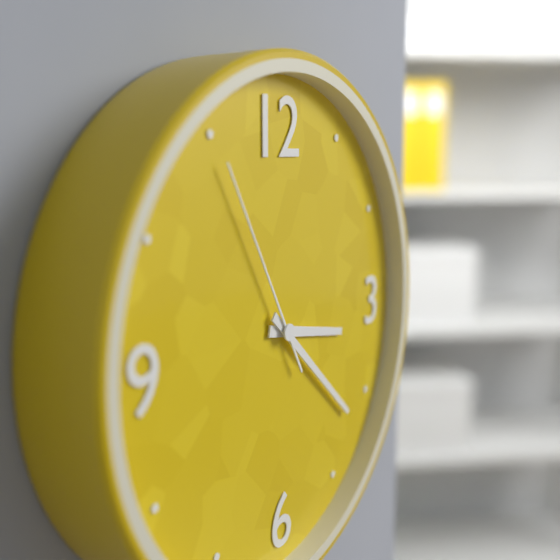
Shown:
h=3 m=22 s=55
